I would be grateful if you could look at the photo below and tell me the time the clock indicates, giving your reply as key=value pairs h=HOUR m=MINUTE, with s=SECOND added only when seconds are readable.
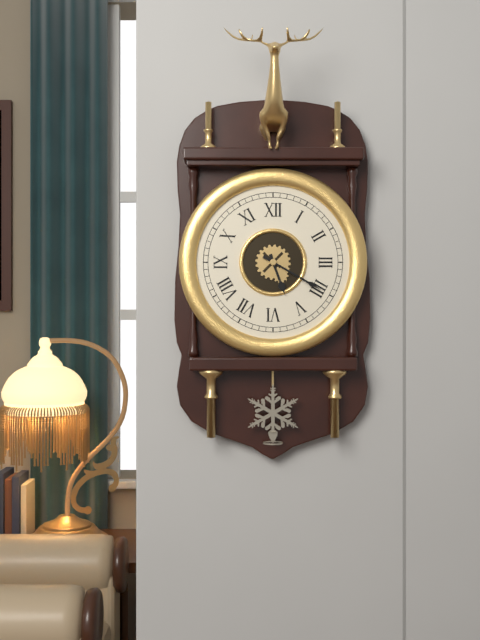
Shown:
h=5 m=20
